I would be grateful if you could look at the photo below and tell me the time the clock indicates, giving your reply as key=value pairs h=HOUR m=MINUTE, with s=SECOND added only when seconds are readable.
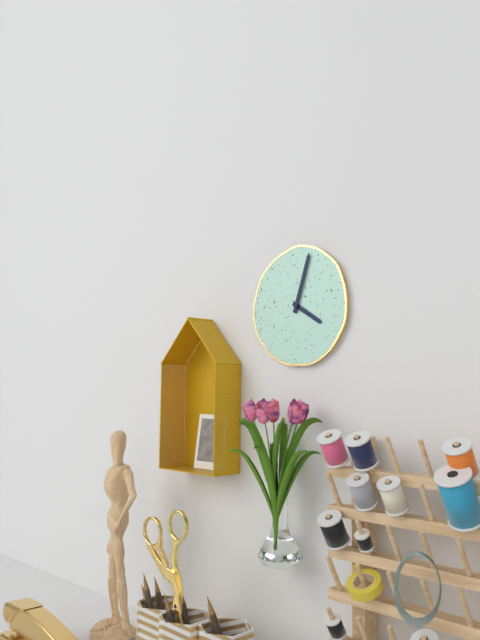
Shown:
h=4 m=3
